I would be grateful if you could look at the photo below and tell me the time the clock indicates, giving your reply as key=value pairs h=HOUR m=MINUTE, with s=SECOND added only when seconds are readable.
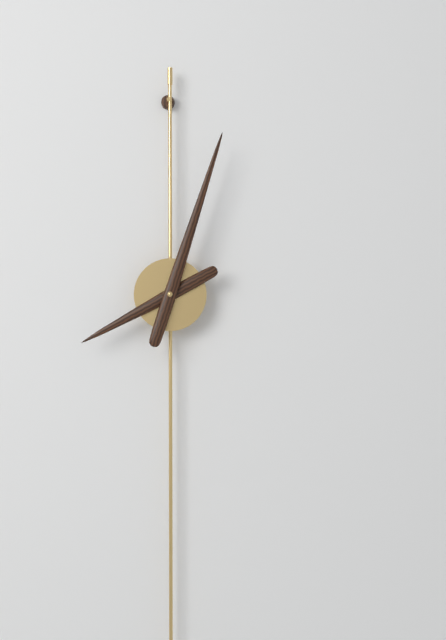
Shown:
h=8 m=3
